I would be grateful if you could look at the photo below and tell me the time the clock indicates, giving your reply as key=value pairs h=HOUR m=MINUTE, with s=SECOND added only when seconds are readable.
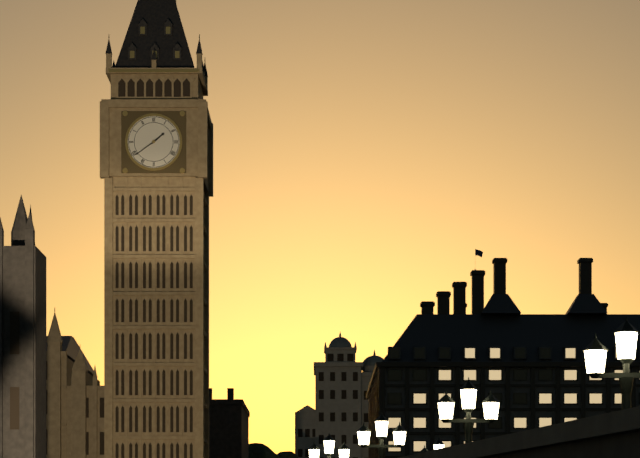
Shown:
h=1 m=39
